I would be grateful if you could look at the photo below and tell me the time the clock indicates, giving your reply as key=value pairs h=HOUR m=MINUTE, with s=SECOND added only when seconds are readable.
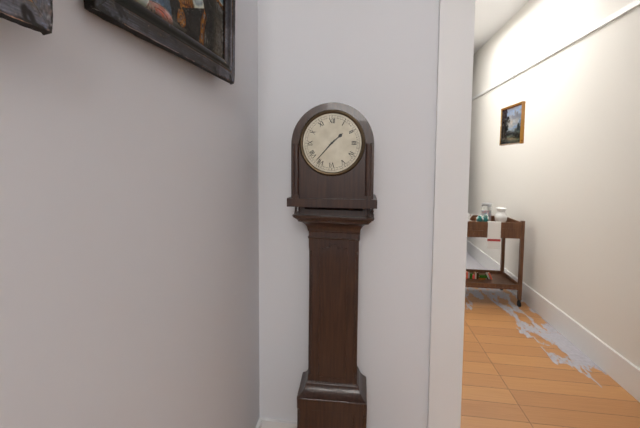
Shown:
h=1 m=37
